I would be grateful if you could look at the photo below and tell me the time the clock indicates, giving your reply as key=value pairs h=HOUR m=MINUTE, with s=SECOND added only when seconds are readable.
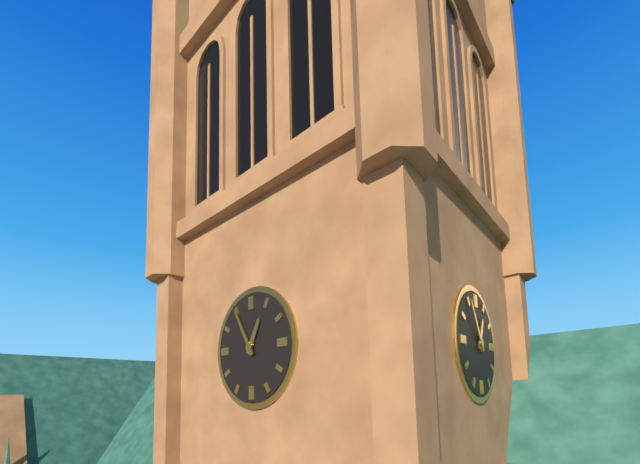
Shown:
h=12 m=55
